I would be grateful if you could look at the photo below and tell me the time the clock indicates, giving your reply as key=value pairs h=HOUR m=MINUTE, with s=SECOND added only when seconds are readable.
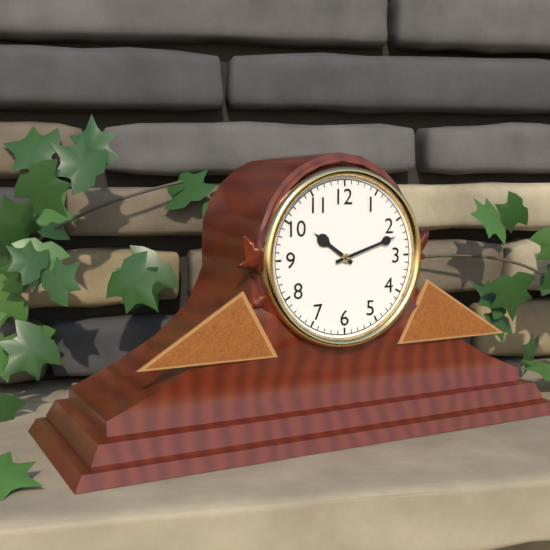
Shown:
h=10 m=12
